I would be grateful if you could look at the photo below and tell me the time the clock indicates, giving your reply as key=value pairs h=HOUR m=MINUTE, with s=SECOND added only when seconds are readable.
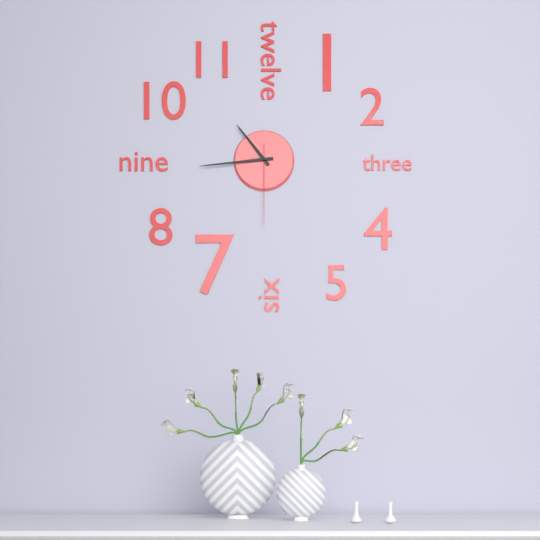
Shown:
h=10 m=44 s=30
